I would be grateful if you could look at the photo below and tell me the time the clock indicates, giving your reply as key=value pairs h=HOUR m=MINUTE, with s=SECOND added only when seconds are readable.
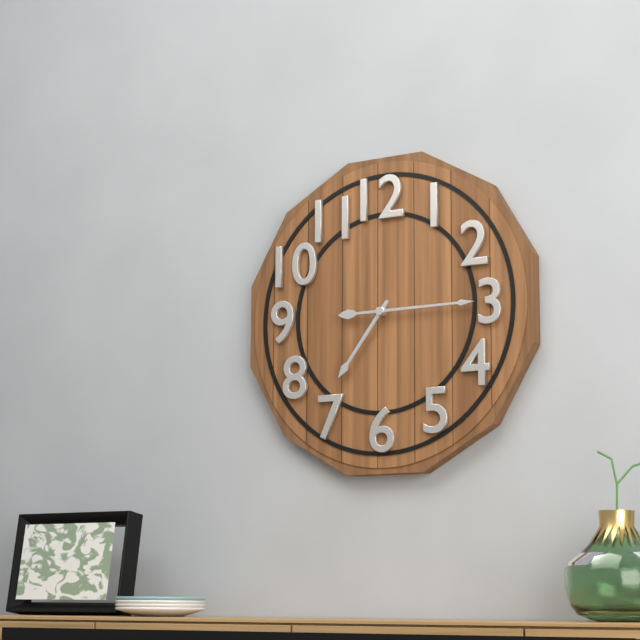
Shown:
h=7 m=15
